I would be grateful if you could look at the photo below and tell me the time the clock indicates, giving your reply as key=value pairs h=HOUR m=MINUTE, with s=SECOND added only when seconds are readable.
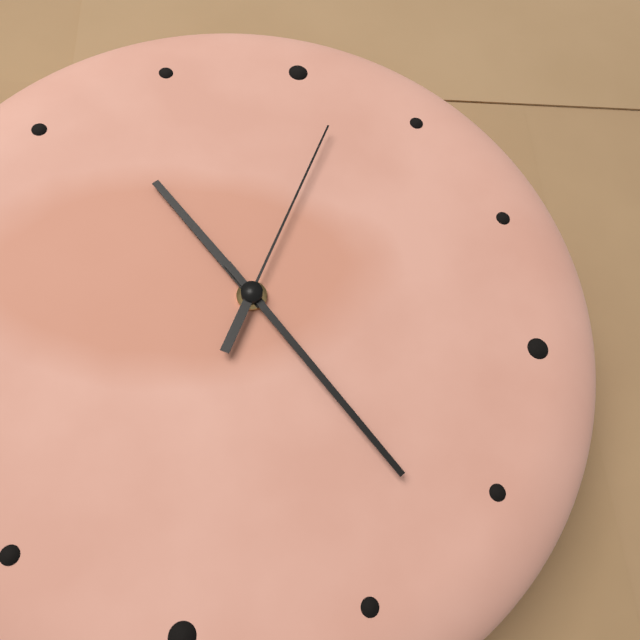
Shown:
h=10 m=22 s=2
